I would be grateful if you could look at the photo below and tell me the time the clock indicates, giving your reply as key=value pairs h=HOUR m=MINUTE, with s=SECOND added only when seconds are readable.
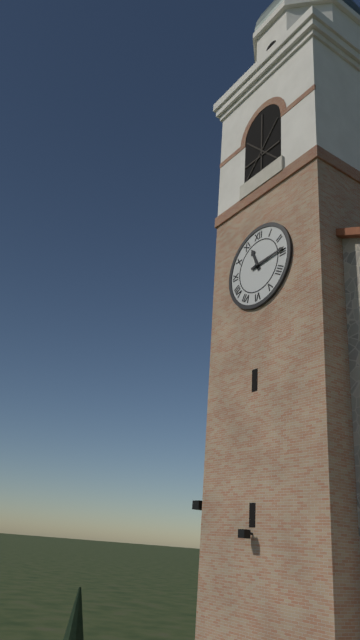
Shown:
h=11 m=14
